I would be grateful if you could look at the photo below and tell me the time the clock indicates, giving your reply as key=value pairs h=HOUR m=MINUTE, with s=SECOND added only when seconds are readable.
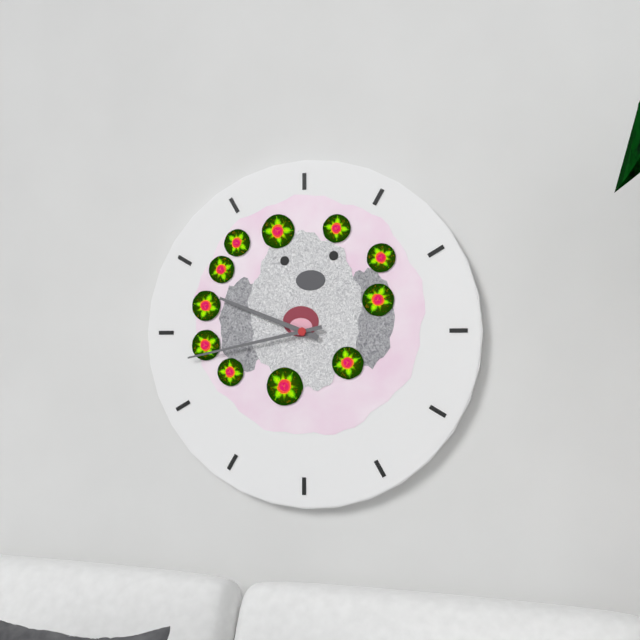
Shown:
h=9 m=43
